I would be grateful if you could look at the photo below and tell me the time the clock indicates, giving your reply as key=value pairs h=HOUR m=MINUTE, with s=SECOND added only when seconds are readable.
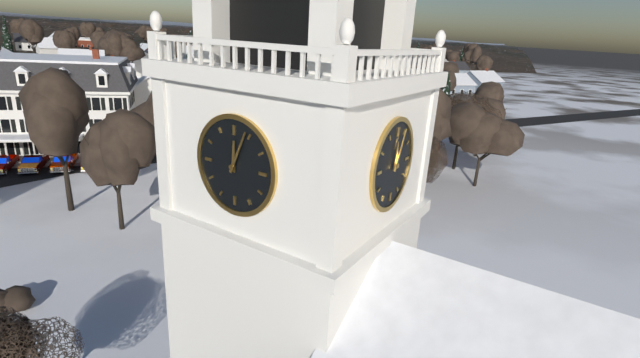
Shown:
h=12 m=4
